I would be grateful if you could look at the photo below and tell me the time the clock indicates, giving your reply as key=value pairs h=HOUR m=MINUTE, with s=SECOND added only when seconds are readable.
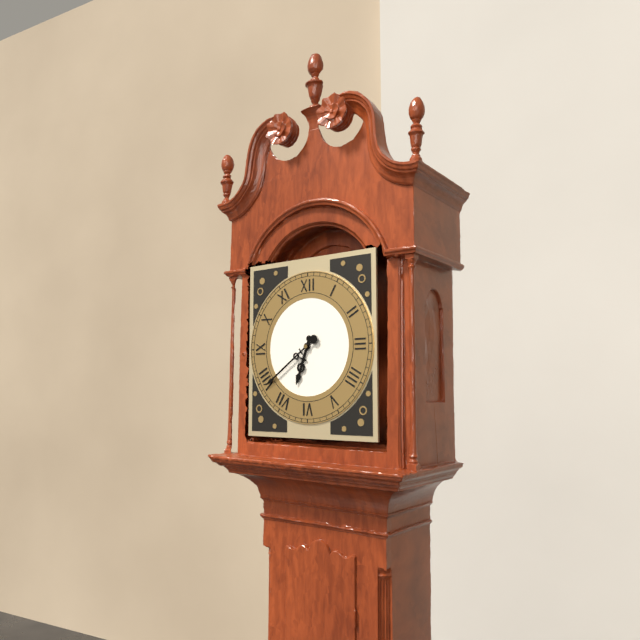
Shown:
h=6 m=39
